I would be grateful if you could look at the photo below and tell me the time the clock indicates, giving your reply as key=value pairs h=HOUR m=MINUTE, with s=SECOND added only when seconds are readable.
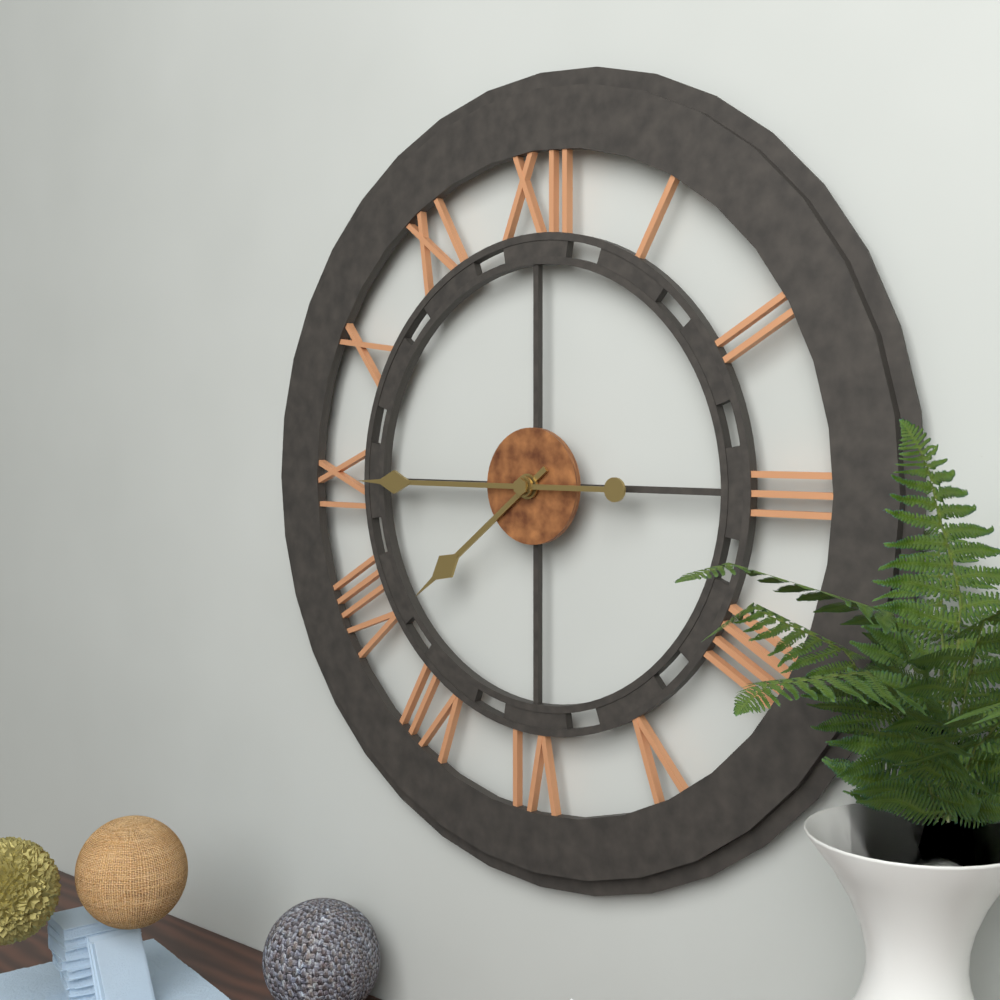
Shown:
h=7 m=45
